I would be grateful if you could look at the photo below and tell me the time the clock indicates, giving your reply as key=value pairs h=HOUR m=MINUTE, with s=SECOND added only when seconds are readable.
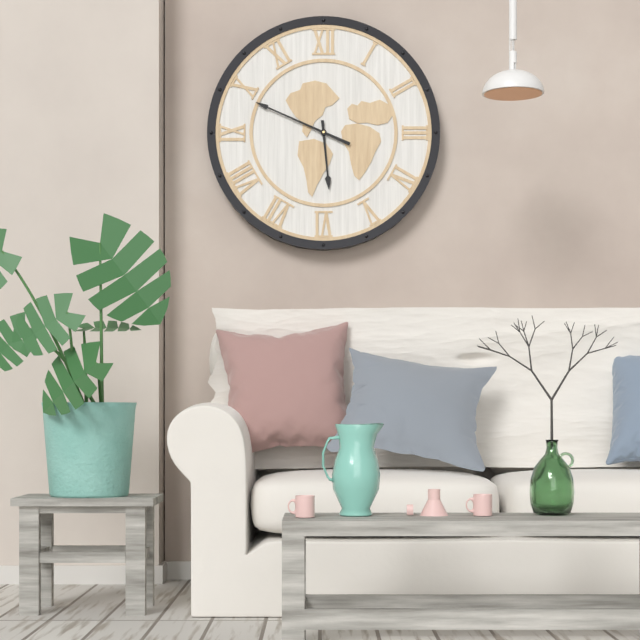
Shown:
h=5 m=49
